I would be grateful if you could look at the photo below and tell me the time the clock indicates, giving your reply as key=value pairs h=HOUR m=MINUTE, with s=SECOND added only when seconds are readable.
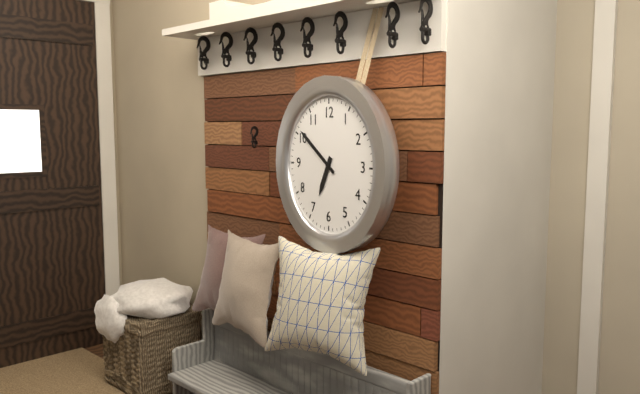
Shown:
h=6 m=51
